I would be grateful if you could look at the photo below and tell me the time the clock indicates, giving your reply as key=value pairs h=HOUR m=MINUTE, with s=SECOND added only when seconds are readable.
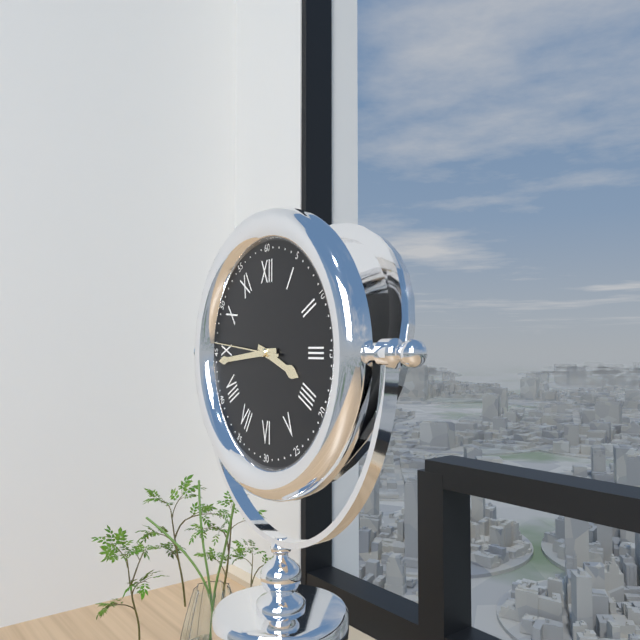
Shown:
h=3 m=44 s=46
